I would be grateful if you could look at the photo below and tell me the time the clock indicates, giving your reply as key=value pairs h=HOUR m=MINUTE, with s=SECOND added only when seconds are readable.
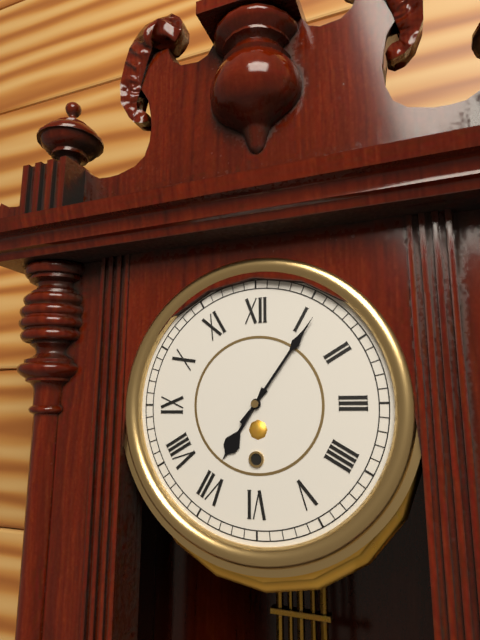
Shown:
h=7 m=6
